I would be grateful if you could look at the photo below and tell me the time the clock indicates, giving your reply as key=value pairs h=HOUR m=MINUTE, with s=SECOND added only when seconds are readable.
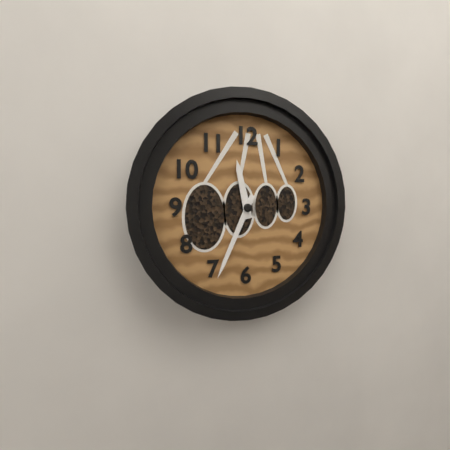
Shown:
h=11 m=34
